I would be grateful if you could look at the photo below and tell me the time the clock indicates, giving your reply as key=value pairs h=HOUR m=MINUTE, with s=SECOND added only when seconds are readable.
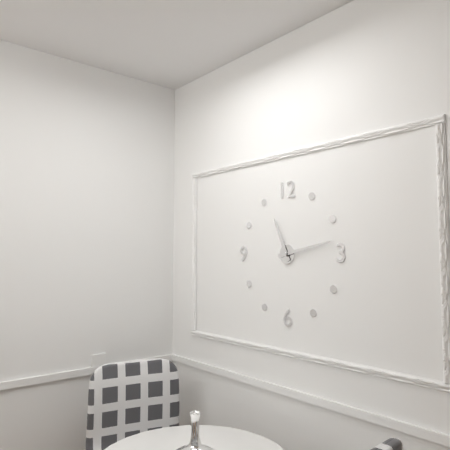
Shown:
h=11 m=13
